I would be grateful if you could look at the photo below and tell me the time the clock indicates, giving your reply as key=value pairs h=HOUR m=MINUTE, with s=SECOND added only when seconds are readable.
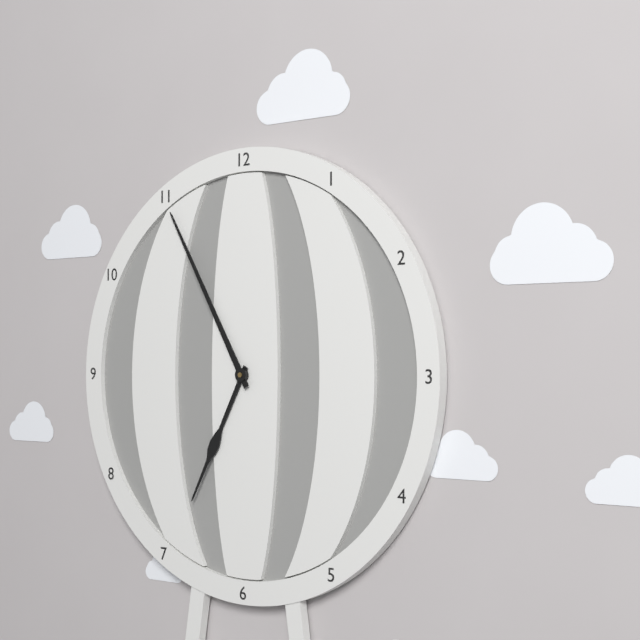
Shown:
h=6 m=55
